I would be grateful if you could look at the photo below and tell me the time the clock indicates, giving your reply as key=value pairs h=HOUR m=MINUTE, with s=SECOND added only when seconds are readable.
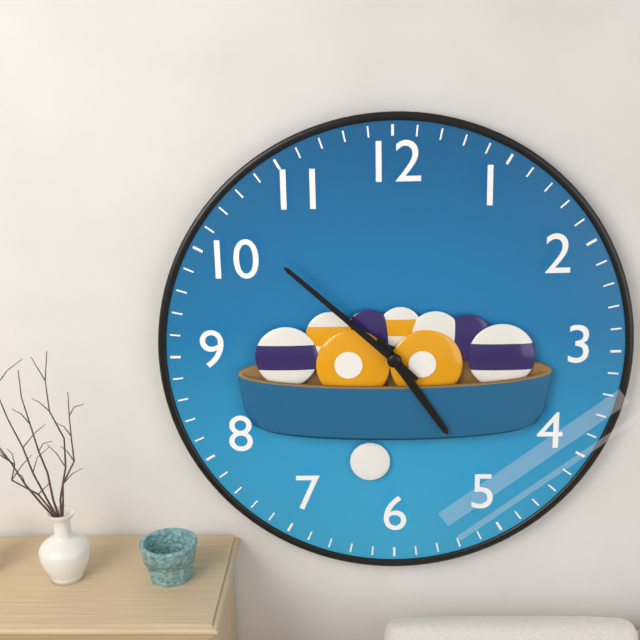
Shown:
h=4 m=52
